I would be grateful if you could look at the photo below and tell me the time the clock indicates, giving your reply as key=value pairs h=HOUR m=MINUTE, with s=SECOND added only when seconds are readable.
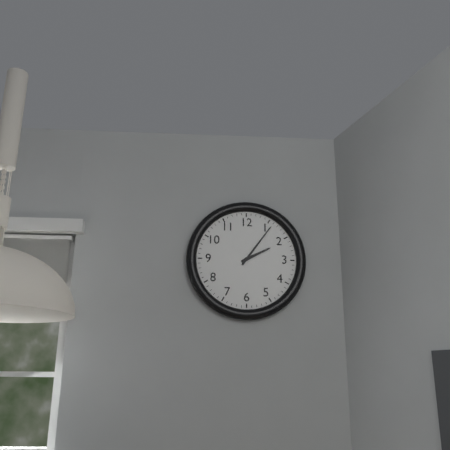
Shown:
h=2 m=6
